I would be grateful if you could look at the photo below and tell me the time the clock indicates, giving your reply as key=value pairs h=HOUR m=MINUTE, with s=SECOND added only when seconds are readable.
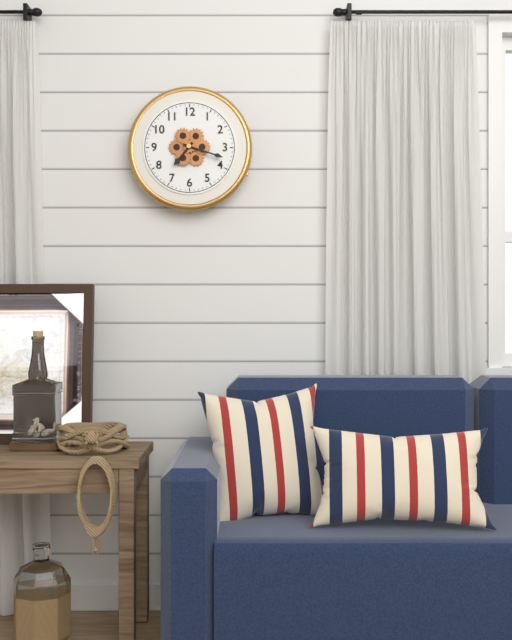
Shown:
h=7 m=18
